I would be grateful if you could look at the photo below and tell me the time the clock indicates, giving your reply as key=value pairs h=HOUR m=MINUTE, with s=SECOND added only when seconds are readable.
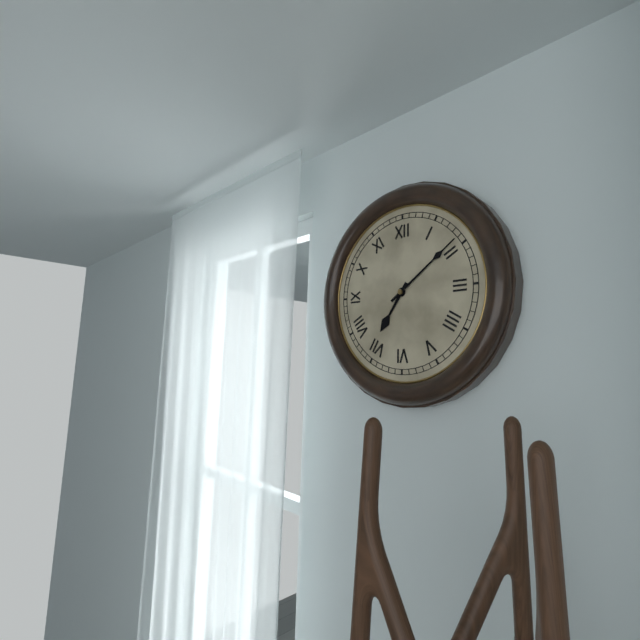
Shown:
h=7 m=9
